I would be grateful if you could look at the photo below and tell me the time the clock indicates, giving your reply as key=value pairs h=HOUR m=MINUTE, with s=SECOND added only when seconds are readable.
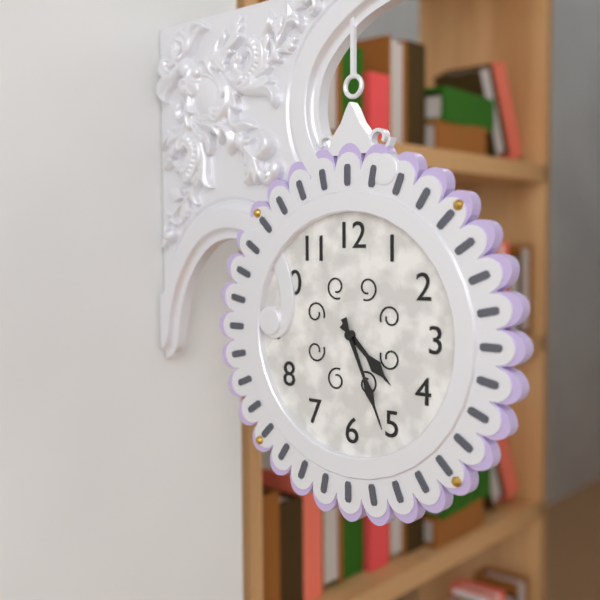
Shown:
h=4 m=26
